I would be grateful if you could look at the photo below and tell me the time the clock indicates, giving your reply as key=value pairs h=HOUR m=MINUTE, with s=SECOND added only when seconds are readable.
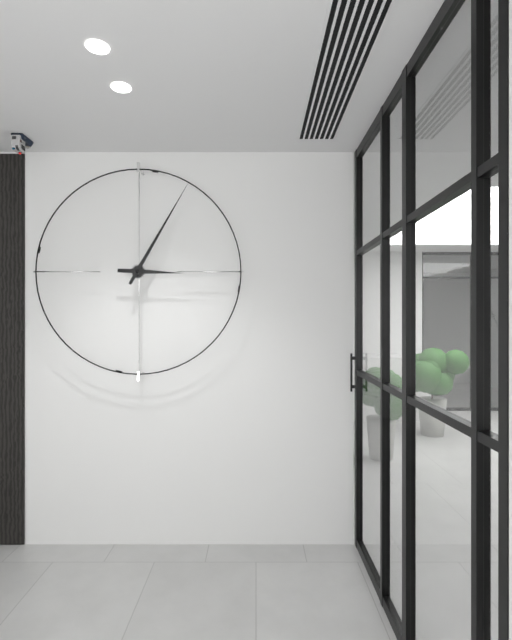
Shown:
h=3 m=5
